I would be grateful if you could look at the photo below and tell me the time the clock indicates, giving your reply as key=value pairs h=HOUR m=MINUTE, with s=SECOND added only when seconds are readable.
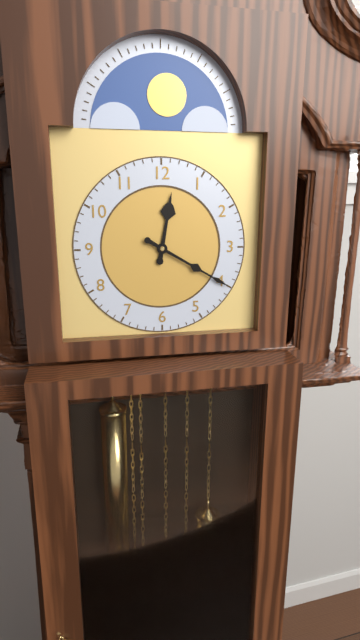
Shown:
h=12 m=20
